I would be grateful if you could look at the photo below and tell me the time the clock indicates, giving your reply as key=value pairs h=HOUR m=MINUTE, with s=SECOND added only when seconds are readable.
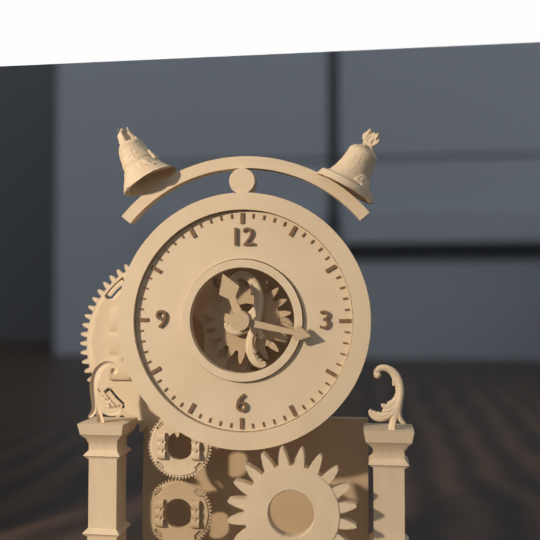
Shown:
h=11 m=17
